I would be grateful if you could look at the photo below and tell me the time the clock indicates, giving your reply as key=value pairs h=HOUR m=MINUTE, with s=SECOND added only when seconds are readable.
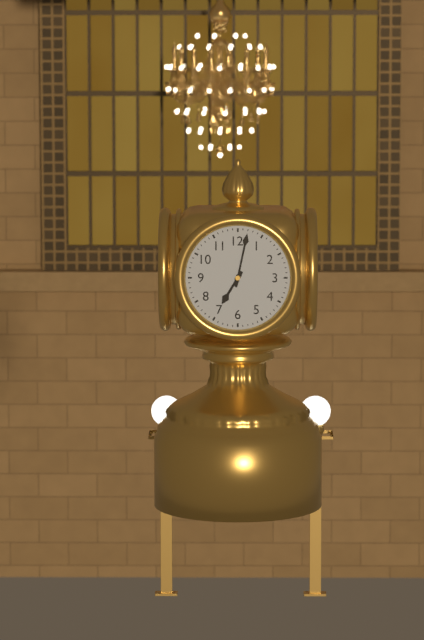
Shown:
h=7 m=2
